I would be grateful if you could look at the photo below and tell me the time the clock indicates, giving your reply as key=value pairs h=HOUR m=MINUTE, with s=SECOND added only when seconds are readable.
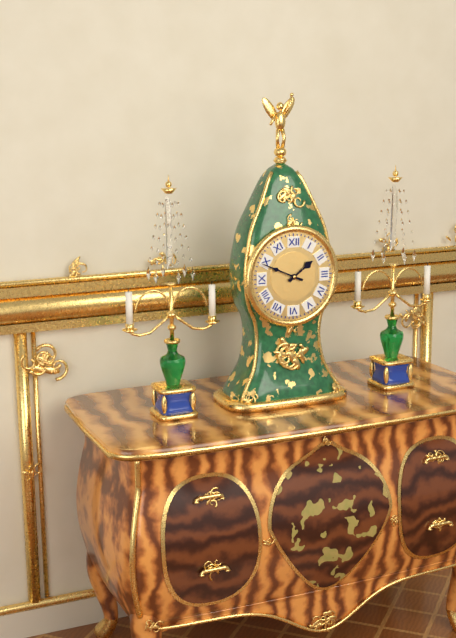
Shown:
h=1 m=49
